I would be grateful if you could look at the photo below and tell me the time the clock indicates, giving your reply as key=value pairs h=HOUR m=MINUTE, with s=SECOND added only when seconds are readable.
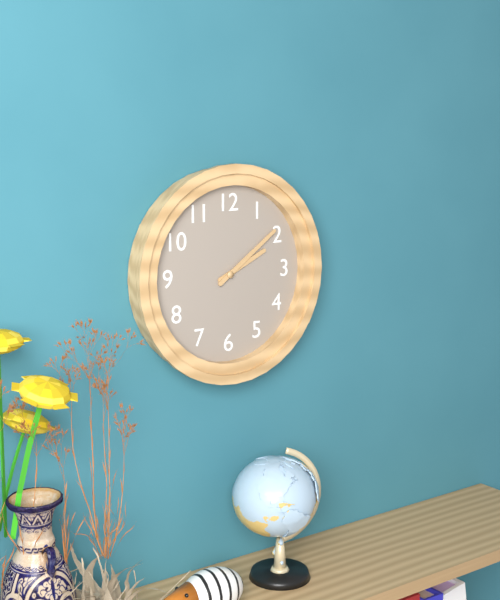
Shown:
h=2 m=9
